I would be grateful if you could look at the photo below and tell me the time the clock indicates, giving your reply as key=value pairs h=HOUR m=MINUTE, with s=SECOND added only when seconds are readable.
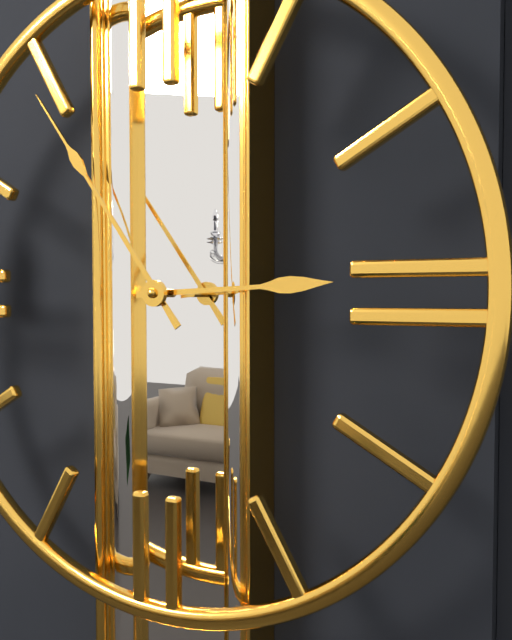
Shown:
h=2 m=54
